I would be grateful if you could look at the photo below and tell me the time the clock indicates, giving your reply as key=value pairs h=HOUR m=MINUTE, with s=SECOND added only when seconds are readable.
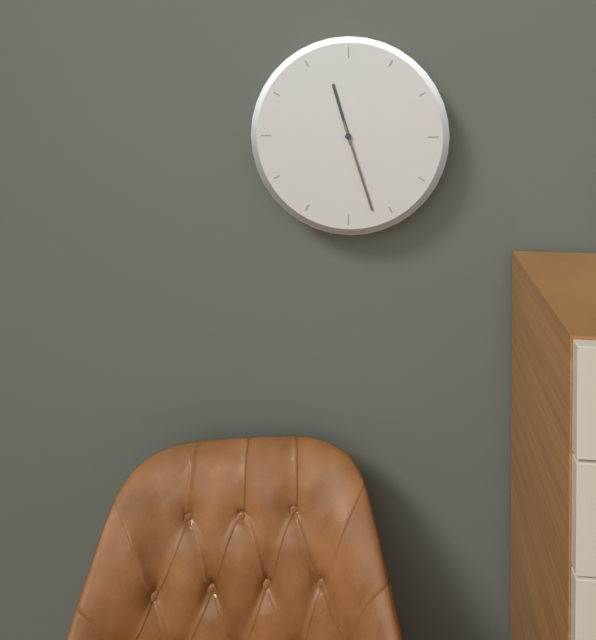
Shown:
h=11 m=27
